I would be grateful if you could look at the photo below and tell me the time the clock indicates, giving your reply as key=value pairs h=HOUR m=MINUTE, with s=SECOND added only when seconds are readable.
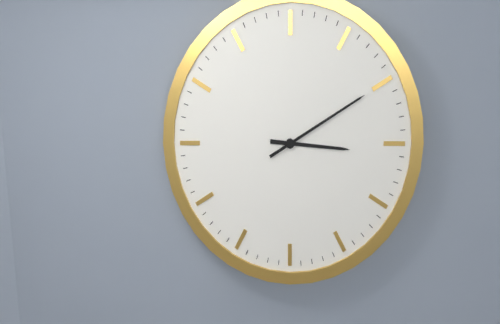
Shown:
h=3 m=10
